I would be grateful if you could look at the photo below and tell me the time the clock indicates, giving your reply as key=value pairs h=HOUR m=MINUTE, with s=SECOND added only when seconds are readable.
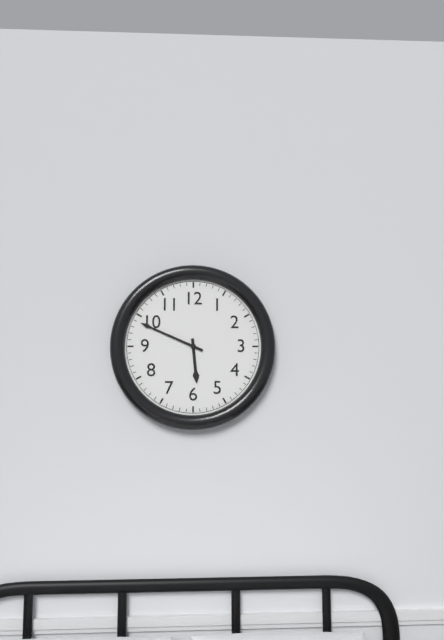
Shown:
h=5 m=49
